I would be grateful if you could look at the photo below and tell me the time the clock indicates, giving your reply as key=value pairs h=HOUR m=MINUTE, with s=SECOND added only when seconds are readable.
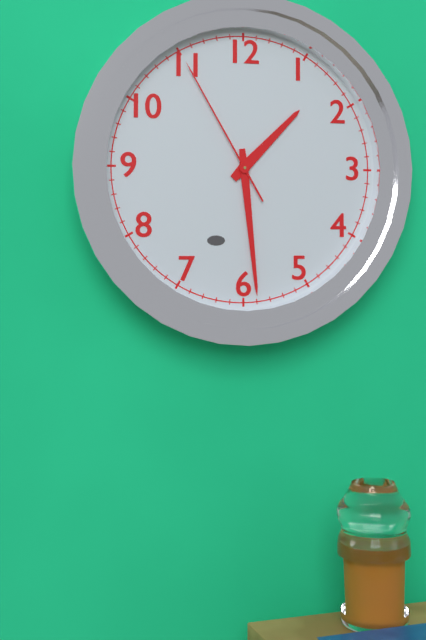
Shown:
h=1 m=29 s=55
